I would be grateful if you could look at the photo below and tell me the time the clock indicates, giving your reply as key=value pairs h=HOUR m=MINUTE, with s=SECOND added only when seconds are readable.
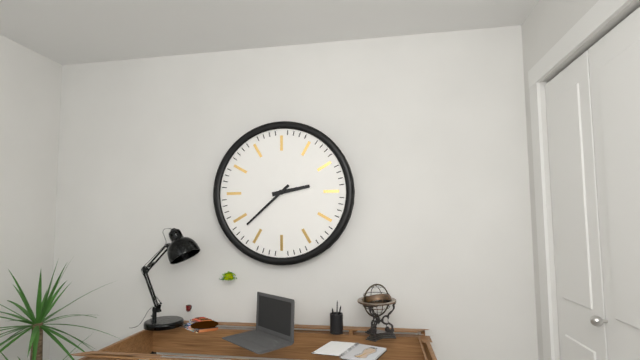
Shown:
h=2 m=38
